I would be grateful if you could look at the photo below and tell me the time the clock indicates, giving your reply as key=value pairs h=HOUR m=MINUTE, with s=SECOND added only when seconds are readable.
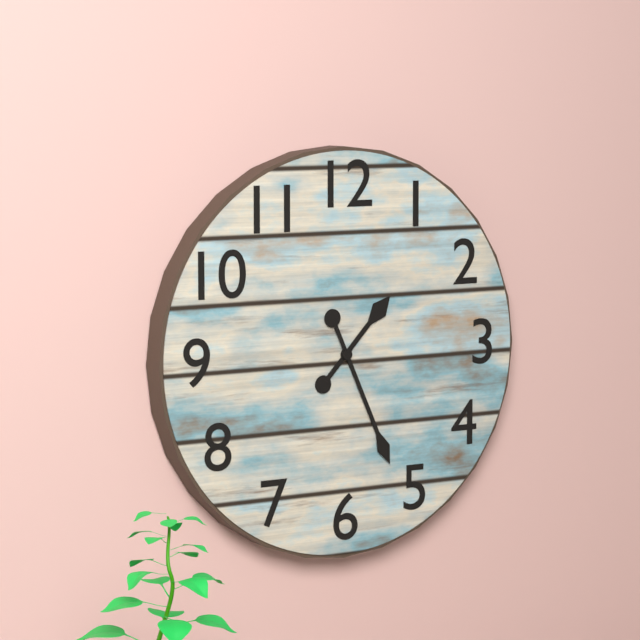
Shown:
h=1 m=26
